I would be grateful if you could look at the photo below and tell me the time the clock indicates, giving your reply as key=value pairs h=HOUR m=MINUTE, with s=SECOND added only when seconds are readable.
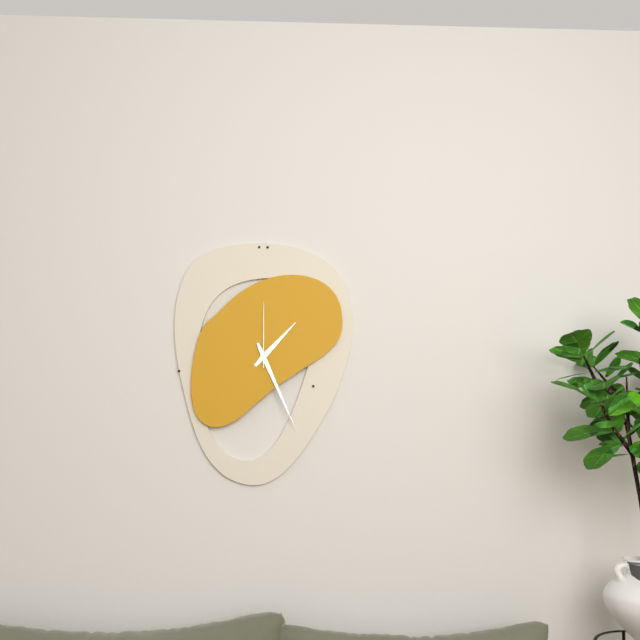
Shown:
h=1 m=26 s=0
